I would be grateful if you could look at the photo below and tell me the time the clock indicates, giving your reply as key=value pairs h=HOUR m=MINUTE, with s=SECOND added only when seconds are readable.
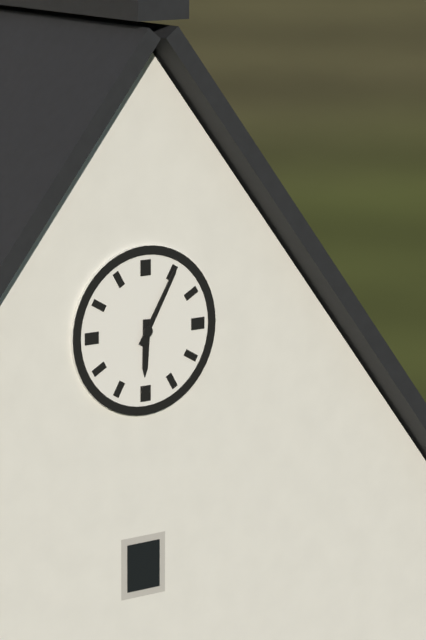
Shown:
h=6 m=5
